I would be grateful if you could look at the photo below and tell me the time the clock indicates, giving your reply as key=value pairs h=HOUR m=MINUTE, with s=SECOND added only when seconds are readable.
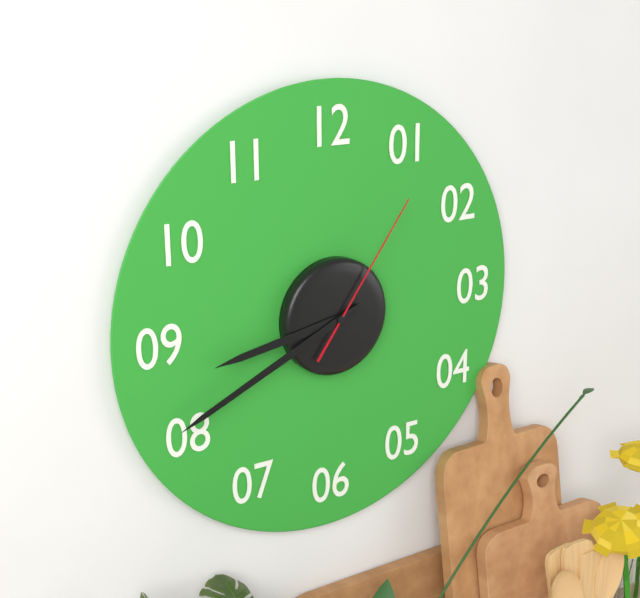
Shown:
h=8 m=41 s=6
